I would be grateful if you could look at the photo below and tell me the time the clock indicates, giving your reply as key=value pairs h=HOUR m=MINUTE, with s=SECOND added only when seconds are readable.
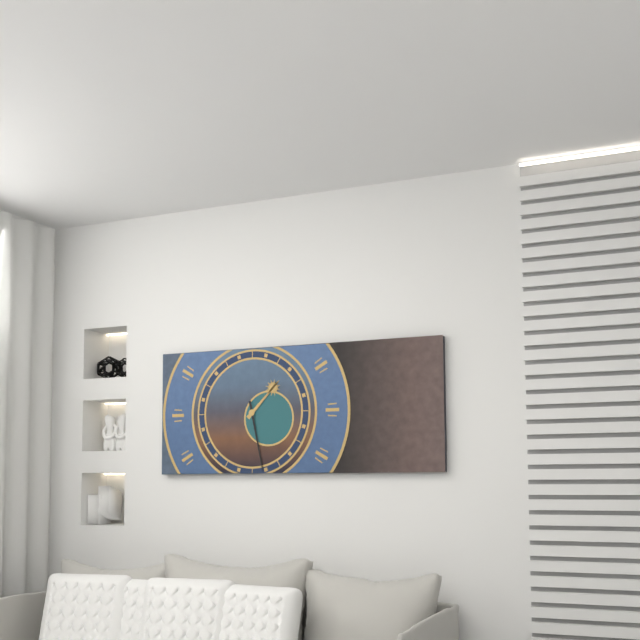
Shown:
h=1 m=28
